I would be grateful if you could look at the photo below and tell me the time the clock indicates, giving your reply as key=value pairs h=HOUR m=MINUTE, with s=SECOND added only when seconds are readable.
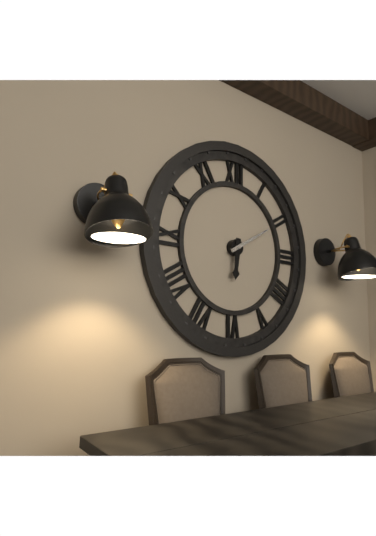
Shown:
h=6 m=10
